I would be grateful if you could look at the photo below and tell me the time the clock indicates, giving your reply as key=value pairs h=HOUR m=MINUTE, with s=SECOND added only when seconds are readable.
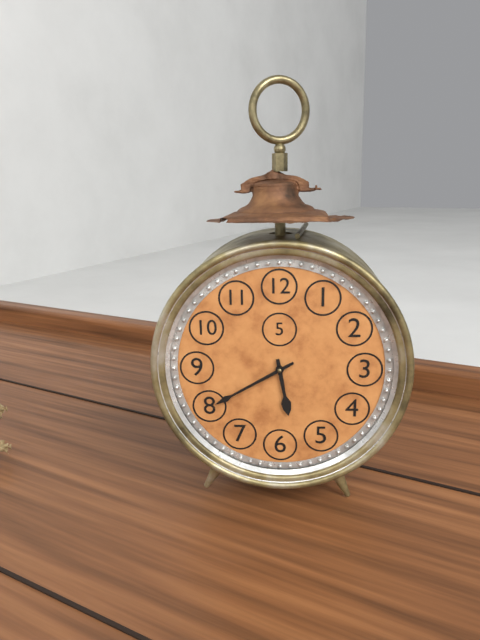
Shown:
h=5 m=40
